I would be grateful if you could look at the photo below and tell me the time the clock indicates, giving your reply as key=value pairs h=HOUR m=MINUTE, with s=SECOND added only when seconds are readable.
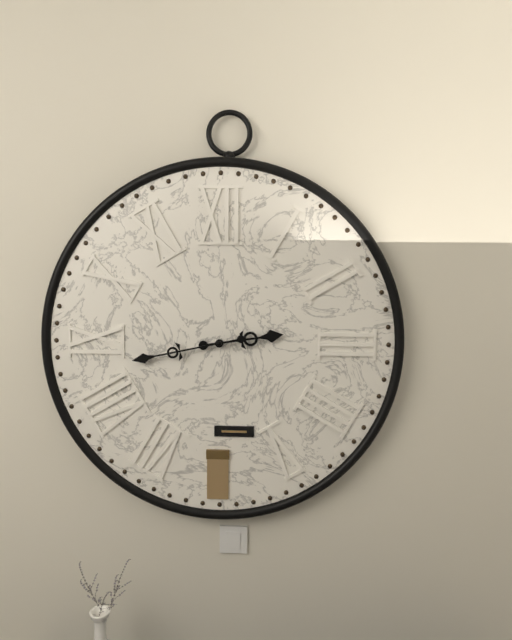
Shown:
h=2 m=43
